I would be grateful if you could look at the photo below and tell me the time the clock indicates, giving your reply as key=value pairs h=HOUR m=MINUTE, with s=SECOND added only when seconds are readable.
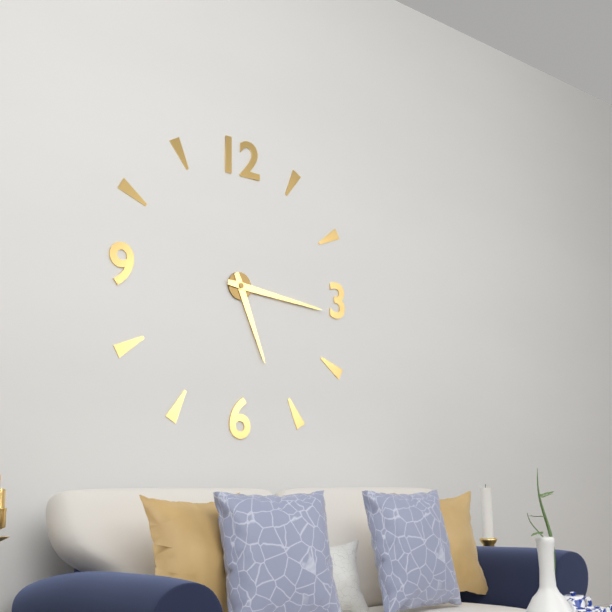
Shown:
h=5 m=16
